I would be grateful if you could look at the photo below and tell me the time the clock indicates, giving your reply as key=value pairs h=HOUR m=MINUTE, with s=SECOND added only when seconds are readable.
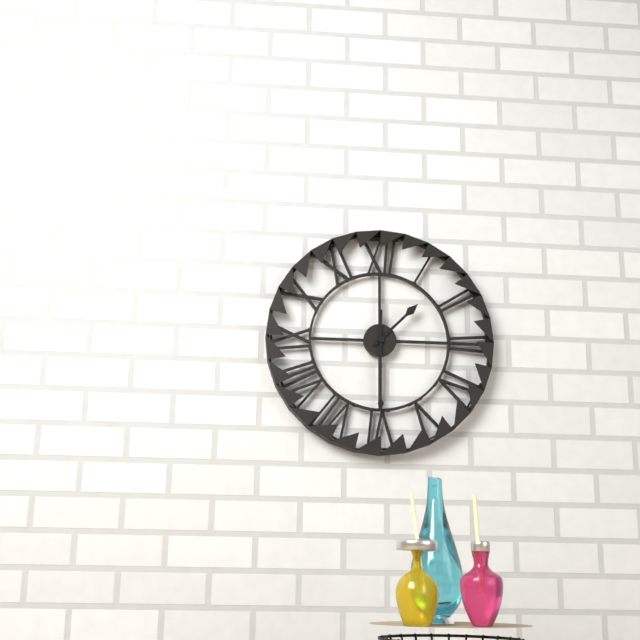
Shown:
h=1 m=30
